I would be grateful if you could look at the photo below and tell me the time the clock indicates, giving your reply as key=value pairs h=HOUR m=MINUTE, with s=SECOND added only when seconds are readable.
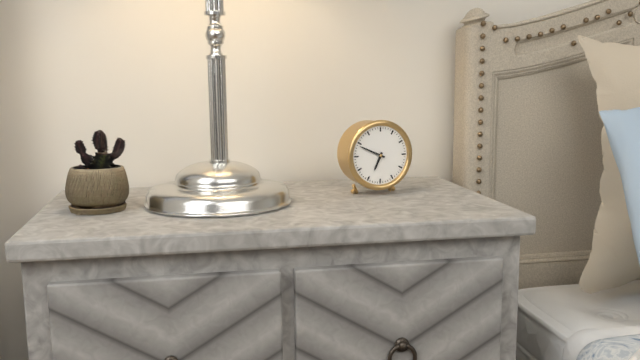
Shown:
h=6 m=49
